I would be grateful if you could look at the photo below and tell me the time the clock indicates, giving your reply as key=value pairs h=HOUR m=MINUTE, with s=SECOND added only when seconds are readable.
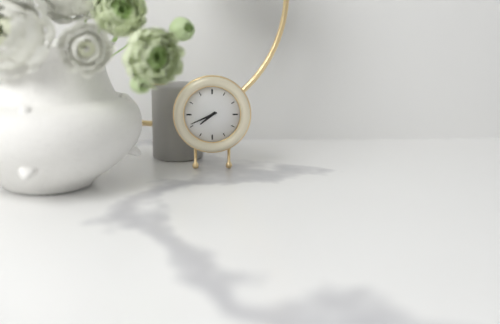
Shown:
h=7 m=41
